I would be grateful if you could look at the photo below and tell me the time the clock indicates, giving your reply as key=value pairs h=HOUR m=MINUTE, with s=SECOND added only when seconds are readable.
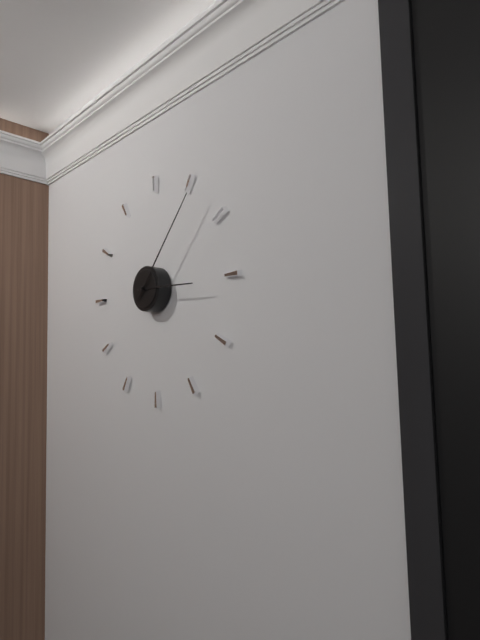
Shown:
h=3 m=7
